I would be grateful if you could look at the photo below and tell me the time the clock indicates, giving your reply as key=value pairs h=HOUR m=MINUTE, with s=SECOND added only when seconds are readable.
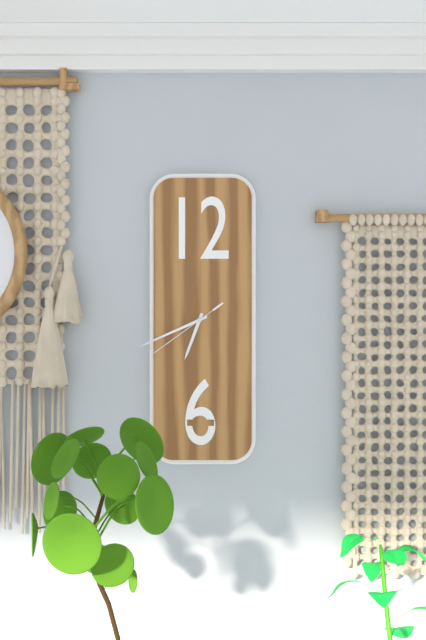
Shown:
h=6 m=41 s=39
